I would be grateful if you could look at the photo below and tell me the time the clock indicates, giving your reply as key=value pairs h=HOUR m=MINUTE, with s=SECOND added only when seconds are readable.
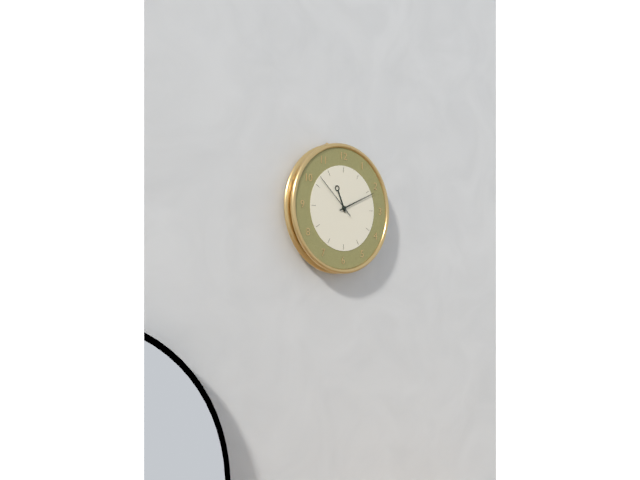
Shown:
h=11 m=11
